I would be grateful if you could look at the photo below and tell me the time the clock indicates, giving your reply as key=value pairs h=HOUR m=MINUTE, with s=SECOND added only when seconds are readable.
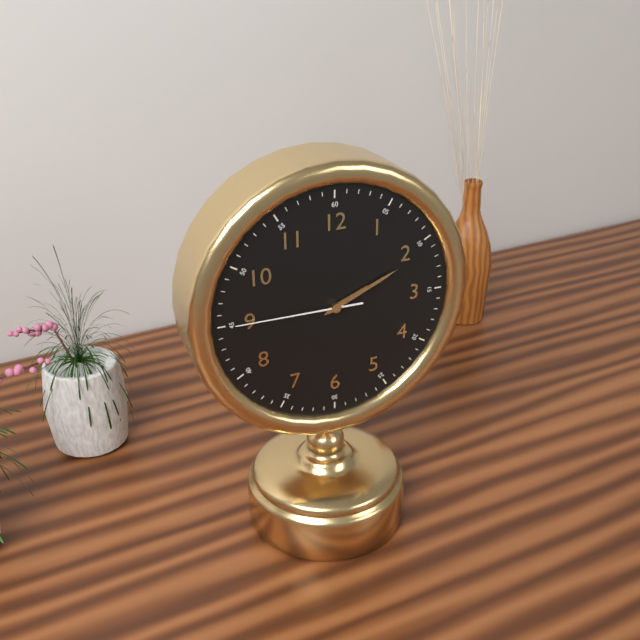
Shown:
h=2 m=11 s=45
